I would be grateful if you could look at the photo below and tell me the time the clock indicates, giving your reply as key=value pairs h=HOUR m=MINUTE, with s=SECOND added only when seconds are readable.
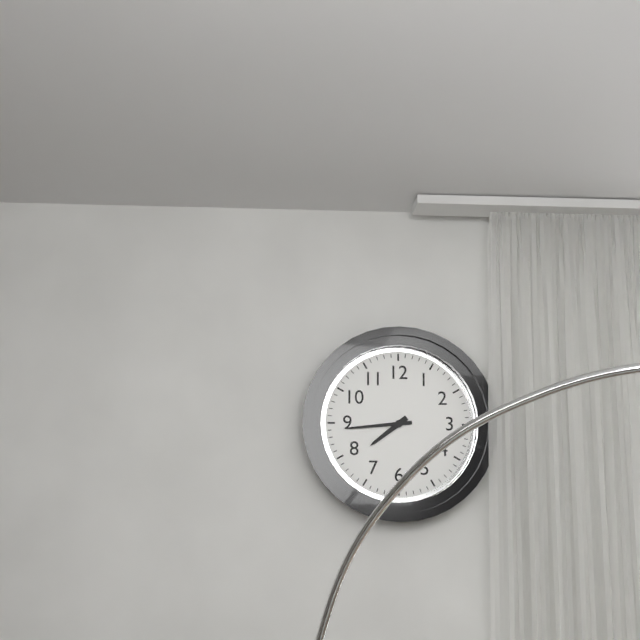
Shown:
h=7 m=44
